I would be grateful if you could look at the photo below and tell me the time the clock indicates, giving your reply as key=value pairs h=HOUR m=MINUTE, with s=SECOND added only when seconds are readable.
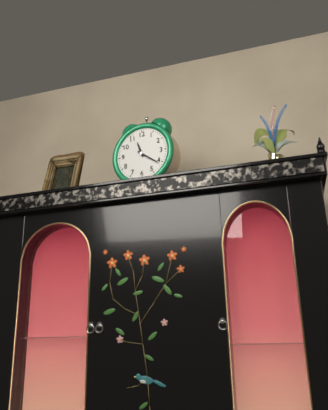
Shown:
h=11 m=21
